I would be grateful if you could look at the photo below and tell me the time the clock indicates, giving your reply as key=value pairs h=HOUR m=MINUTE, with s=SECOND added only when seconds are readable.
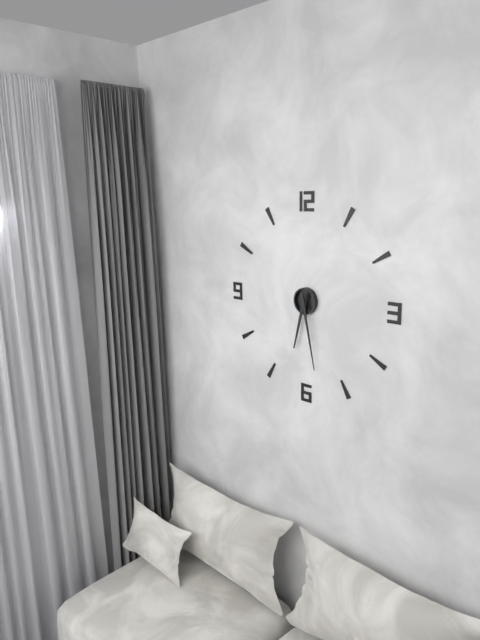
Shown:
h=6 m=28
